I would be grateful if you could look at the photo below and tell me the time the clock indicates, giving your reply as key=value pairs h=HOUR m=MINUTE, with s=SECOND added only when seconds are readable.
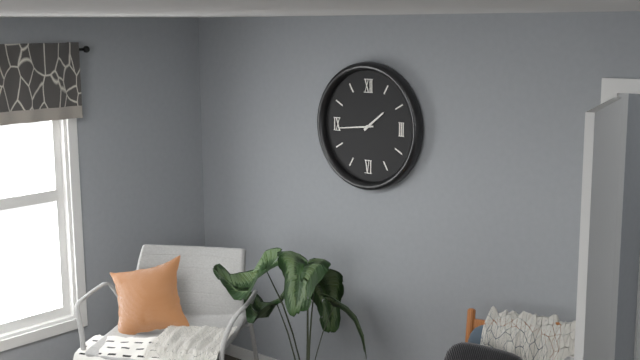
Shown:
h=1 m=44
